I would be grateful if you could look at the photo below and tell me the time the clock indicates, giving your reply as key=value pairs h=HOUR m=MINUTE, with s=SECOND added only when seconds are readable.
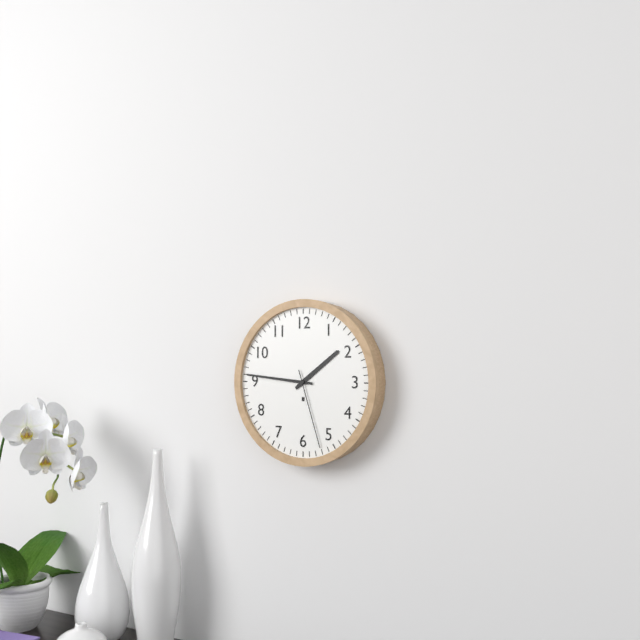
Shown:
h=1 m=46 s=27
